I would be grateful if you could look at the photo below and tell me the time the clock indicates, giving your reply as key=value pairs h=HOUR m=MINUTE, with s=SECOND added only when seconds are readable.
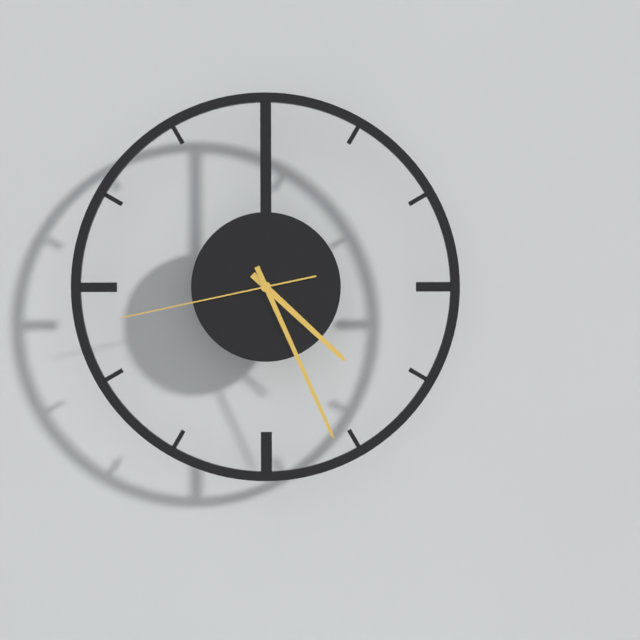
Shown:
h=4 m=26 s=43
